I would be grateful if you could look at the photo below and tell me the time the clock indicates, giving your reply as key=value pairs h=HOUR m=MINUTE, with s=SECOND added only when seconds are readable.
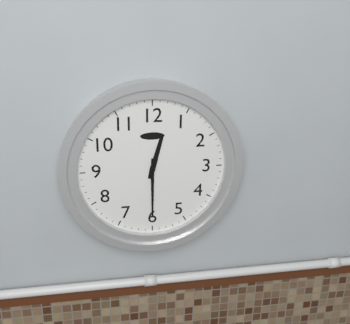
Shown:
h=12 m=30
